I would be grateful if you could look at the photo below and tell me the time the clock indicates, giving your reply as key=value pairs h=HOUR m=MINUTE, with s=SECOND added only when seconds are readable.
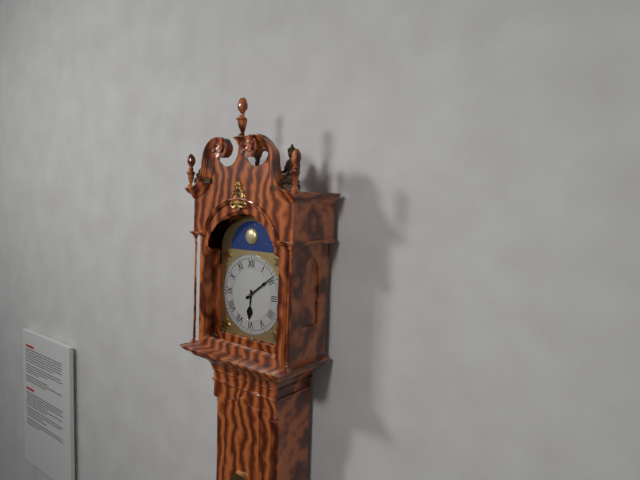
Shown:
h=6 m=9
